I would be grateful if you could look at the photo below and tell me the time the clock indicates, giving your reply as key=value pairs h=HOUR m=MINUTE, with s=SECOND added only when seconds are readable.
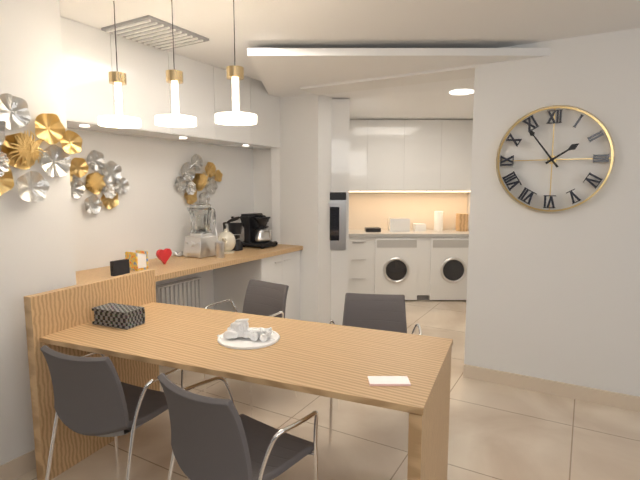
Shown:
h=1 m=54
